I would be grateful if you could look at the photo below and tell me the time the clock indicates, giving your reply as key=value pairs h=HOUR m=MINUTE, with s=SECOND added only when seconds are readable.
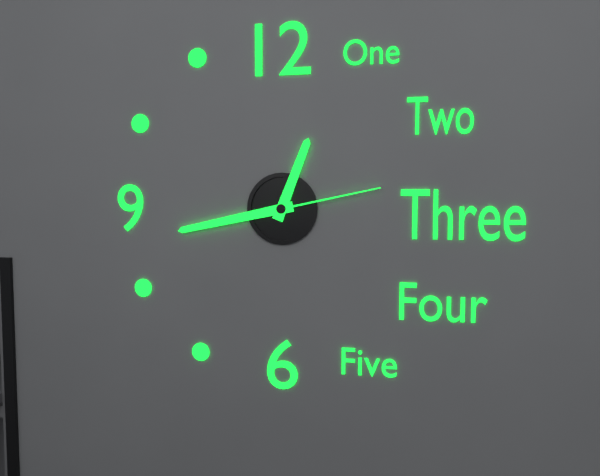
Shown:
h=12 m=43 s=13
